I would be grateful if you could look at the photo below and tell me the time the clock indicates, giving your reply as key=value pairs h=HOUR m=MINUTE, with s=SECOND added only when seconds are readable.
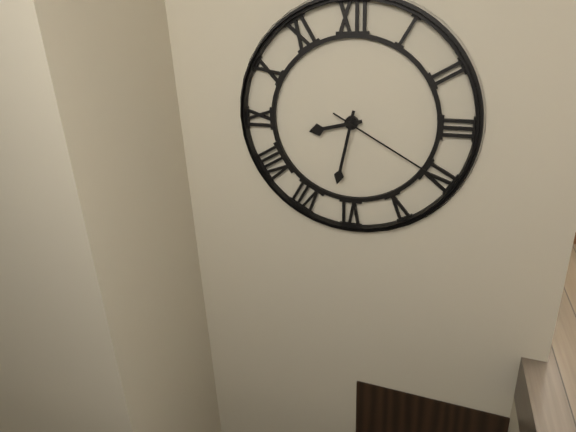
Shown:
h=8 m=32 s=20
